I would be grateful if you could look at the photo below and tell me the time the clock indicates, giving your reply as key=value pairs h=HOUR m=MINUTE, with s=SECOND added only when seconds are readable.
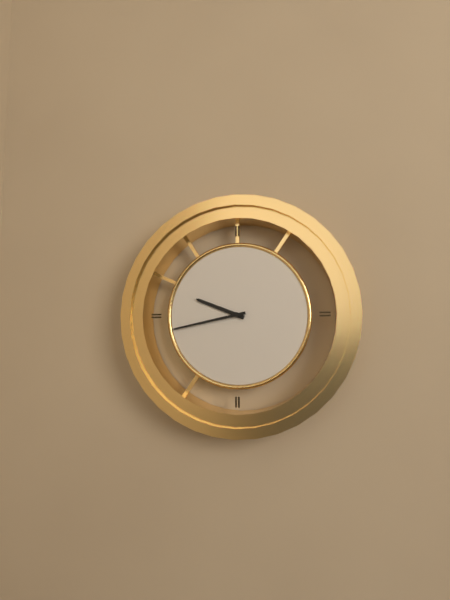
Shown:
h=9 m=43
